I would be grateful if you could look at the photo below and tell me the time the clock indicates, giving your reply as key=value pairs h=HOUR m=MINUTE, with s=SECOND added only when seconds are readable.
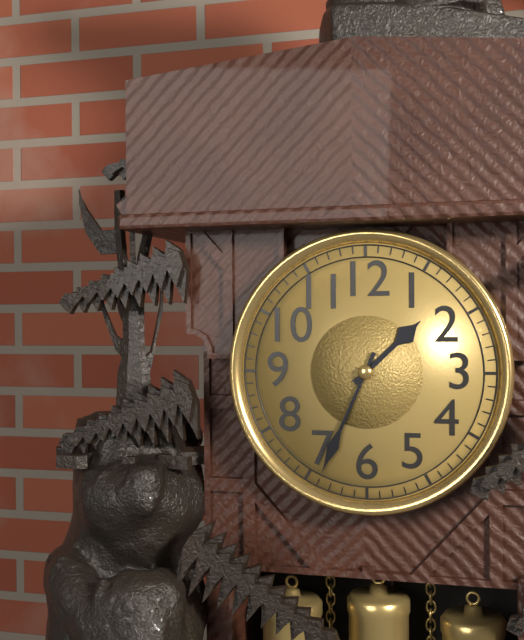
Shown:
h=1 m=34
